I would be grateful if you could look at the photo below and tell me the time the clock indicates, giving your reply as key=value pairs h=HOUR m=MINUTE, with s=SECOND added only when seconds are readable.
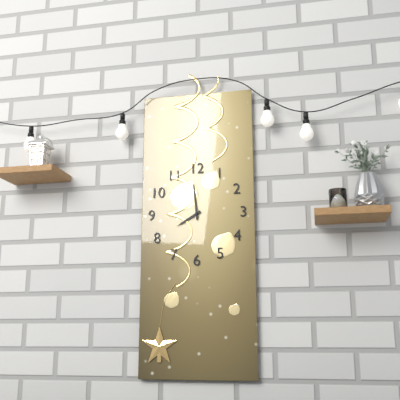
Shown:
h=7 m=59
